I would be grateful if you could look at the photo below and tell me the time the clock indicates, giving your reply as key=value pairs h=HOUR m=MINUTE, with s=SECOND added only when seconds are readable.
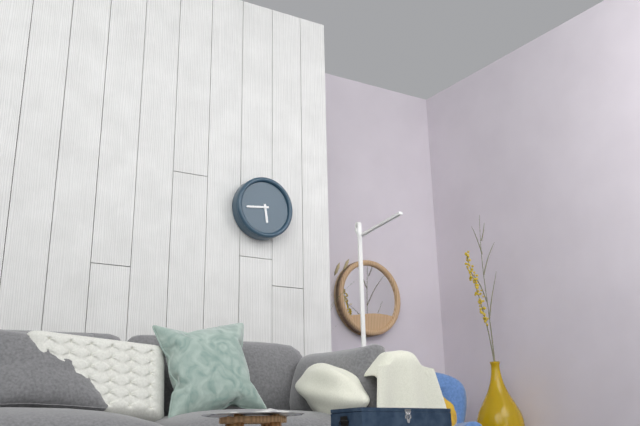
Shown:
h=5 m=44
